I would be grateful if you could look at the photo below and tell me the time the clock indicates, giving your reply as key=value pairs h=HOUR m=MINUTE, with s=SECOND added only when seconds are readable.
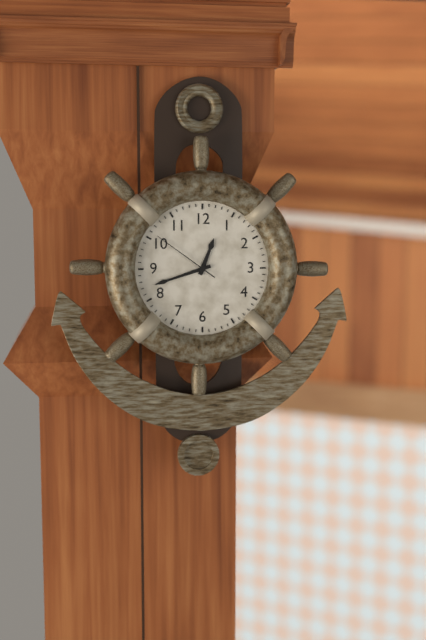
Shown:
h=12 m=42 s=51
